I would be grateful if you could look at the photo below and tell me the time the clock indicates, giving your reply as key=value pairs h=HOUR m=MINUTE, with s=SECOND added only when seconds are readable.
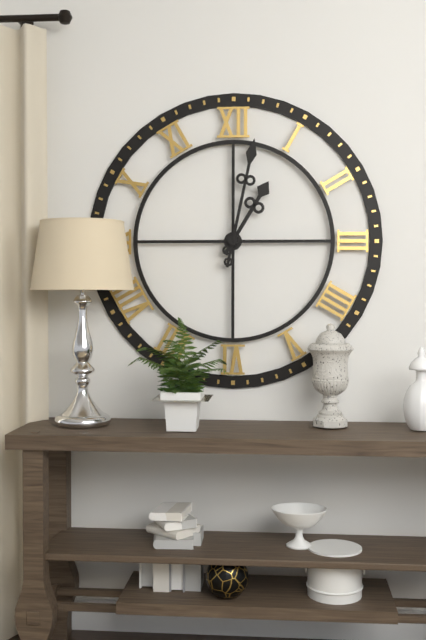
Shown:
h=1 m=2
